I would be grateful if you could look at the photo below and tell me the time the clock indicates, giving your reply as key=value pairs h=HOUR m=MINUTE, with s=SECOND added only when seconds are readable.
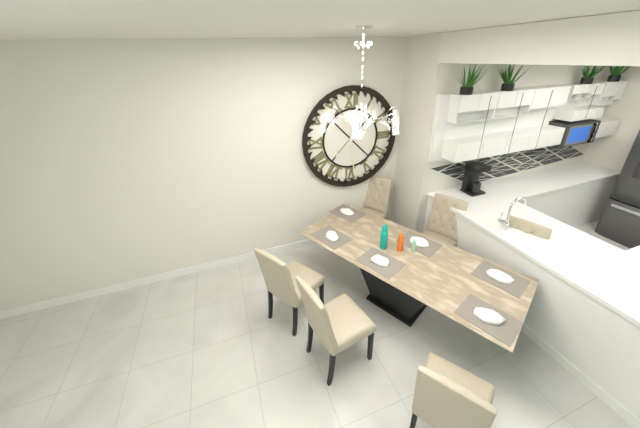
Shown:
h=7 m=29
